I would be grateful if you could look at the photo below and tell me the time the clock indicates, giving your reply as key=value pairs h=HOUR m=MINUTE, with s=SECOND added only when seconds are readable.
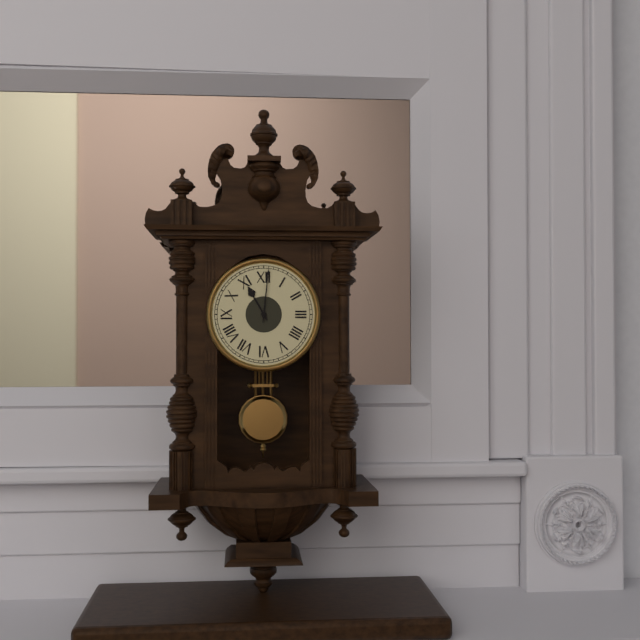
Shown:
h=11 m=1
